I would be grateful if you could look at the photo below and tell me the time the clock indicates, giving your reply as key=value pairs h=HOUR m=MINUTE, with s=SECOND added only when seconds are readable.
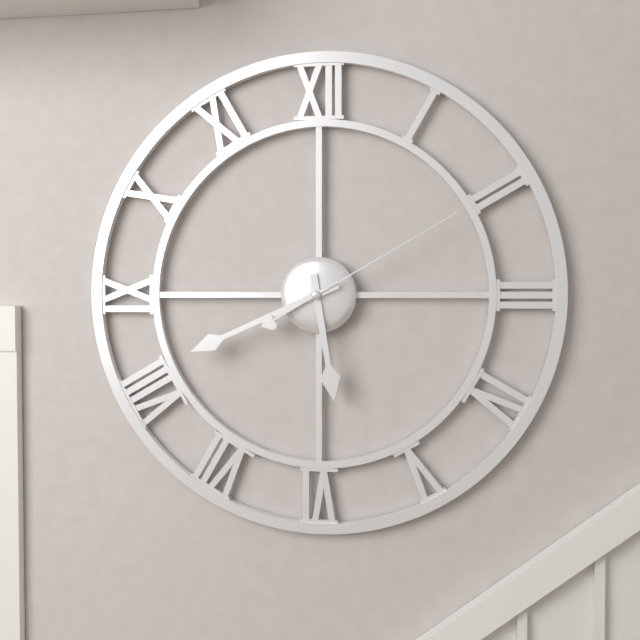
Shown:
h=5 m=41 s=10
